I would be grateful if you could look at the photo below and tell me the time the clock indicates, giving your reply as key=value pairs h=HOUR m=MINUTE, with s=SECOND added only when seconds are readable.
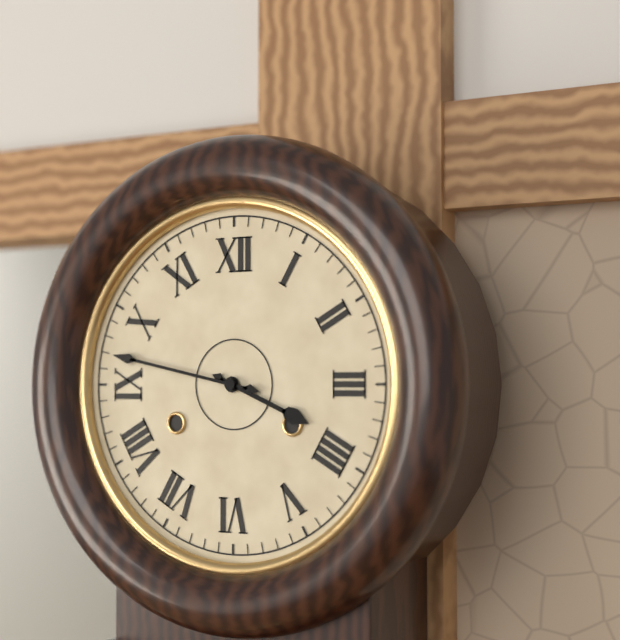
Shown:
h=3 m=47
